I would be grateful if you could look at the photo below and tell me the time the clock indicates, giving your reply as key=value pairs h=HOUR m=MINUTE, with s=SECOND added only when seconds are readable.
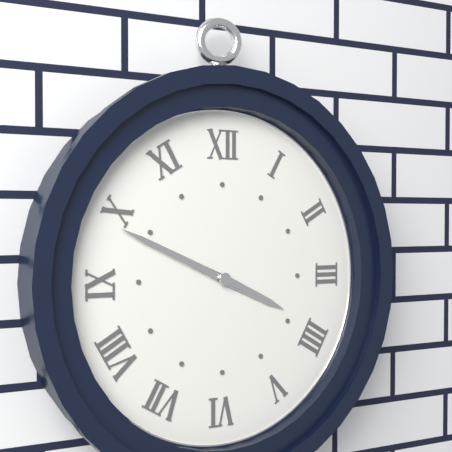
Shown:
h=3 m=49
